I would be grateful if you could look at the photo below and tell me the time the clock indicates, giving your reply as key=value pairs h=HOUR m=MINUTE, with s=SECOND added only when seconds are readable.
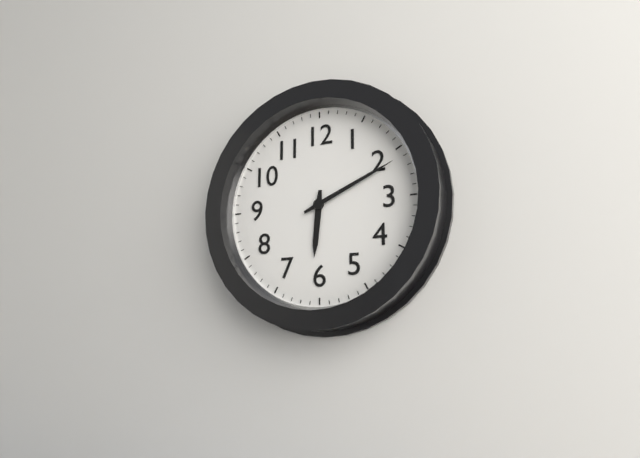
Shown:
h=6 m=11
